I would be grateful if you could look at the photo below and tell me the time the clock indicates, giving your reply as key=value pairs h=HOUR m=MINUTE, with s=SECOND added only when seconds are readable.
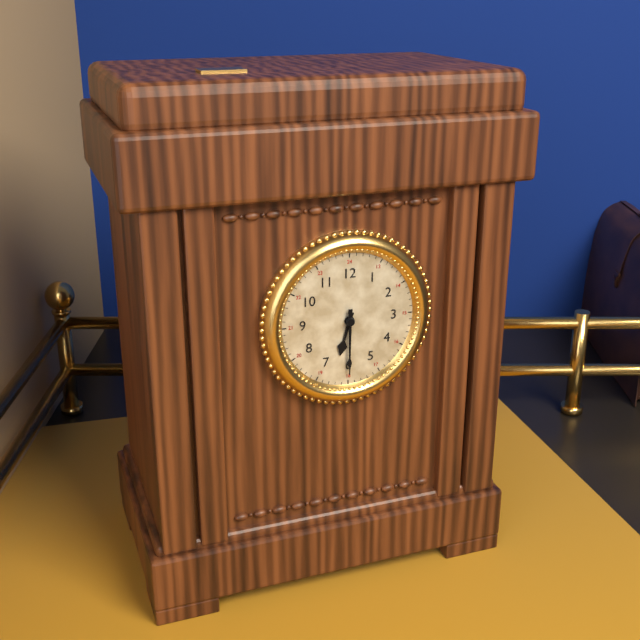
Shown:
h=6 m=30
